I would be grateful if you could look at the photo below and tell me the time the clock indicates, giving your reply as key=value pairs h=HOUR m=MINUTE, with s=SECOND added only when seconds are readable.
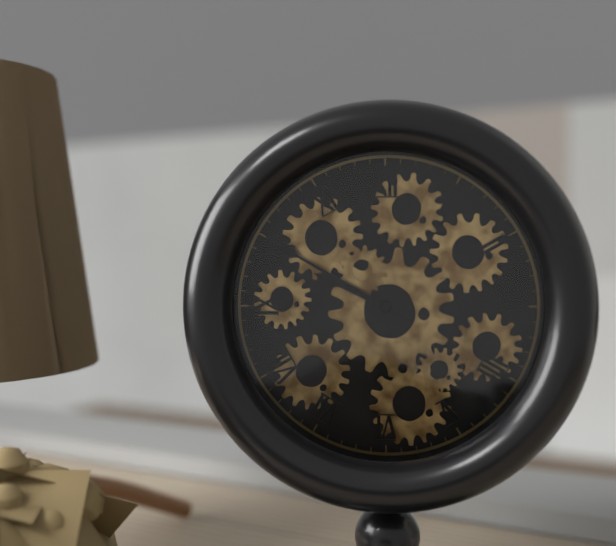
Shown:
h=9 m=50
